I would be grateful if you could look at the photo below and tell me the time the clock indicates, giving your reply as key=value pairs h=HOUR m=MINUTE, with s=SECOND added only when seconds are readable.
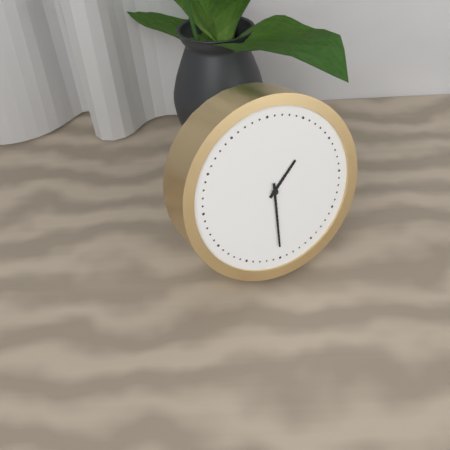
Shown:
h=1 m=30
